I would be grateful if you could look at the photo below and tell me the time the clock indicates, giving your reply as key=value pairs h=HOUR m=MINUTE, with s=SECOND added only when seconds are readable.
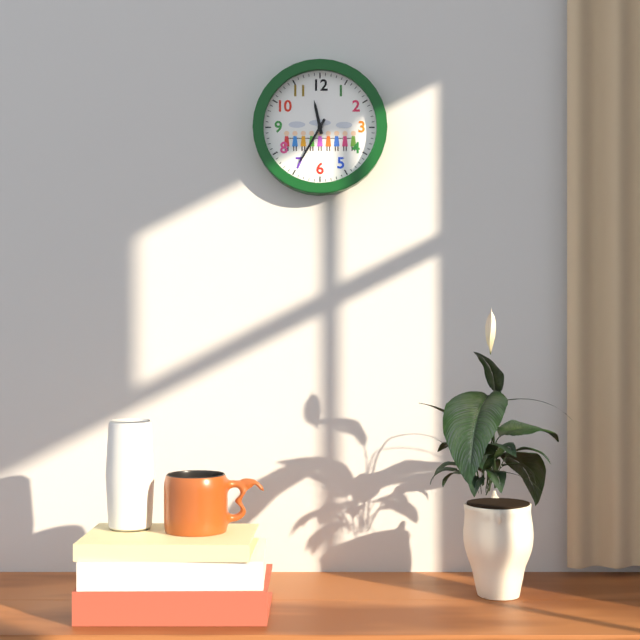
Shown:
h=11 m=35
